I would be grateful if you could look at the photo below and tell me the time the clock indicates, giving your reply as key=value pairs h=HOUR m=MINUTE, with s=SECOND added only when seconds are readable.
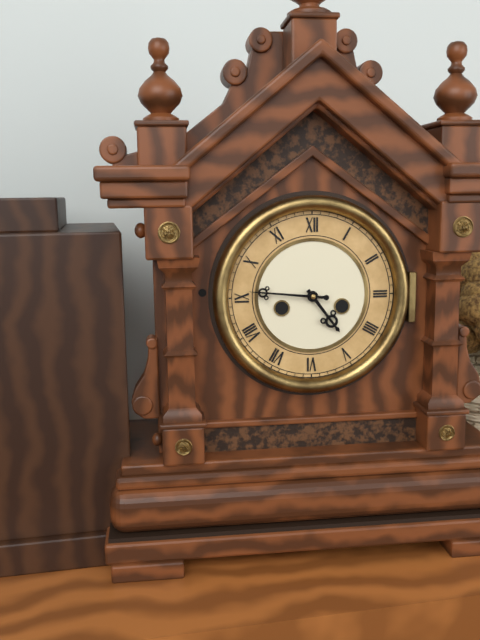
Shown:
h=4 m=46
